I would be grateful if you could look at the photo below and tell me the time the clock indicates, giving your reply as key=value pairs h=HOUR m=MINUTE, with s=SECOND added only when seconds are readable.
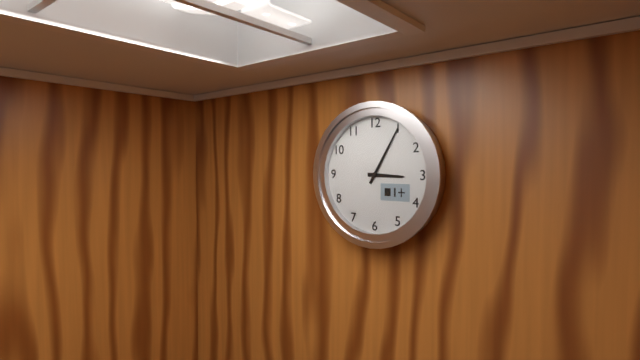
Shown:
h=3 m=5
